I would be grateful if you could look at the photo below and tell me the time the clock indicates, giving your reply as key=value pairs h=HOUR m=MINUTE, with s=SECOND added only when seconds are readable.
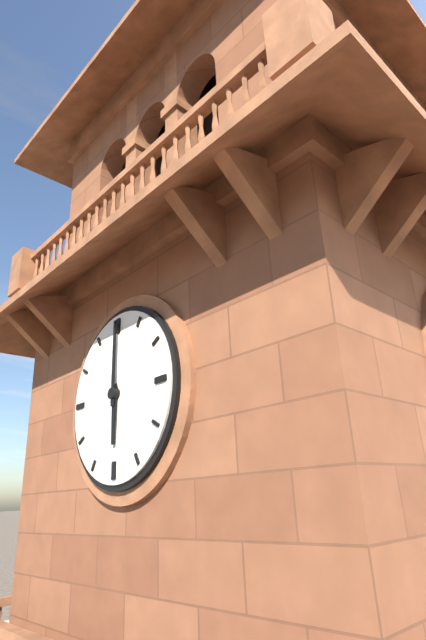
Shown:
h=6 m=0
